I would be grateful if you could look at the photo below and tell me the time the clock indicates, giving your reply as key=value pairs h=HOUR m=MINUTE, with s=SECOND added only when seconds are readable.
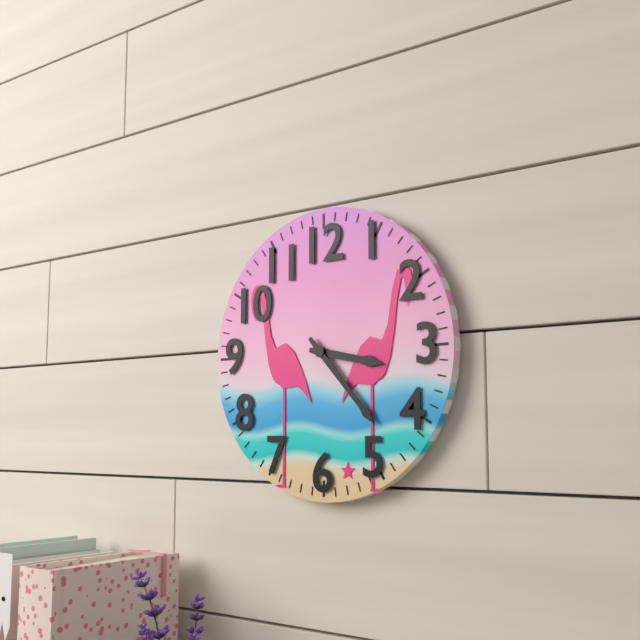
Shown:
h=3 m=23
